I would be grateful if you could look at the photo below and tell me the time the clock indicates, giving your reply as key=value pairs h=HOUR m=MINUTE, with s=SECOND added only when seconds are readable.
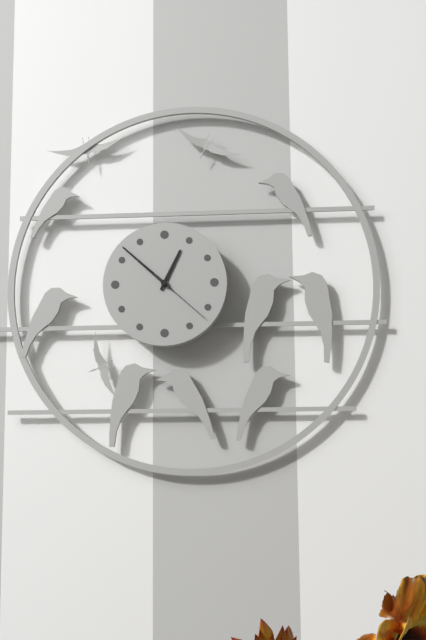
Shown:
h=12 m=52 s=22
